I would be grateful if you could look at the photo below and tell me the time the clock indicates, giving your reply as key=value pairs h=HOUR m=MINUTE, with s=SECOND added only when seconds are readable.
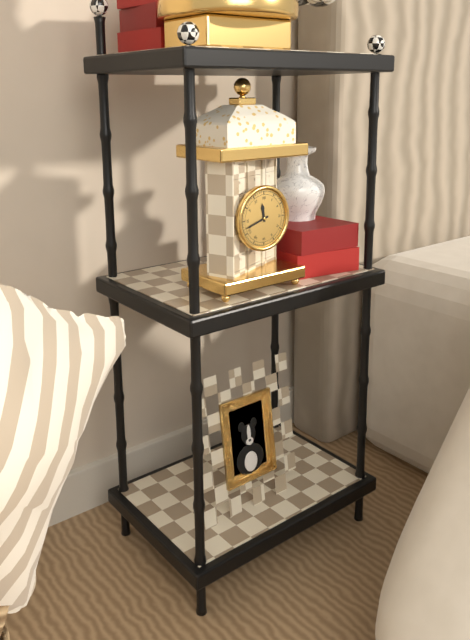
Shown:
h=11 m=42
